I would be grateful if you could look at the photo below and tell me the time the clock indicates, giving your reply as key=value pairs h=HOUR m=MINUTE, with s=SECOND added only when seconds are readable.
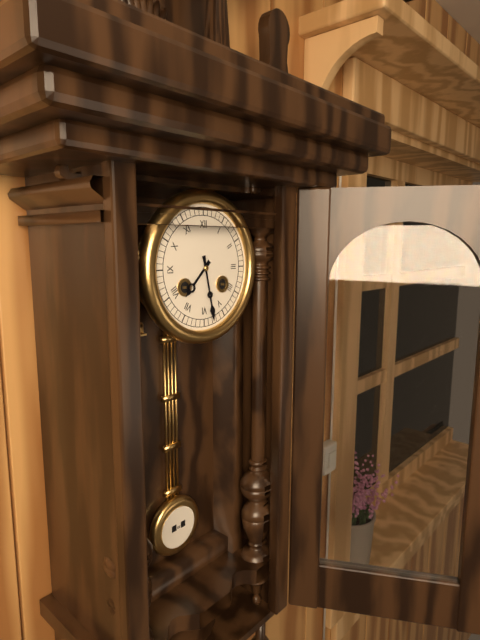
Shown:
h=7 m=28
